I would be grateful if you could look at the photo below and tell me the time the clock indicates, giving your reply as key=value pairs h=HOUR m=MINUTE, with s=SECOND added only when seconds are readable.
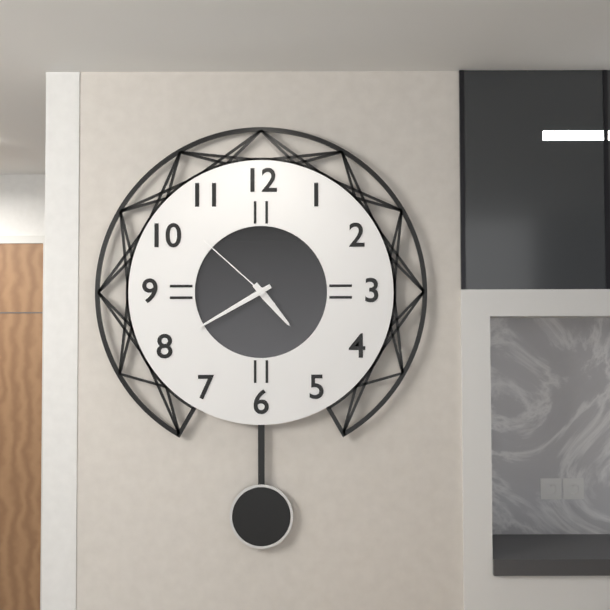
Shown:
h=4 m=40 s=52
